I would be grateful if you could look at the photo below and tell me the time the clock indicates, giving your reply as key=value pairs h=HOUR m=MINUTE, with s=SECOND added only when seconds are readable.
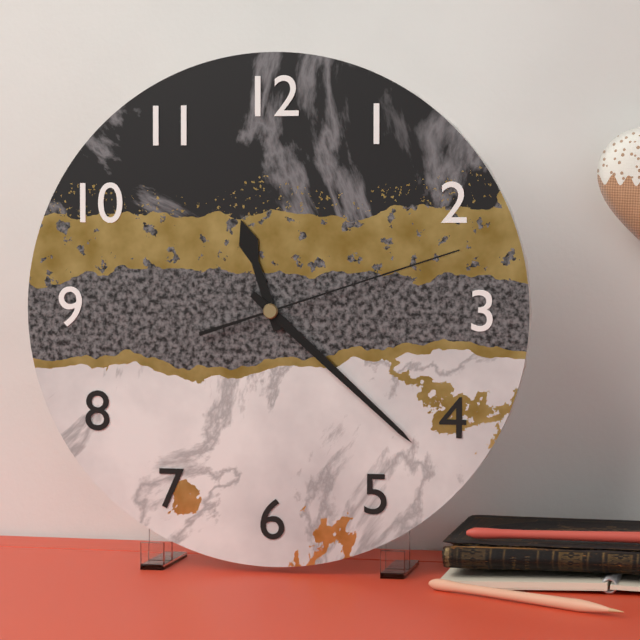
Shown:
h=11 m=22 s=12
